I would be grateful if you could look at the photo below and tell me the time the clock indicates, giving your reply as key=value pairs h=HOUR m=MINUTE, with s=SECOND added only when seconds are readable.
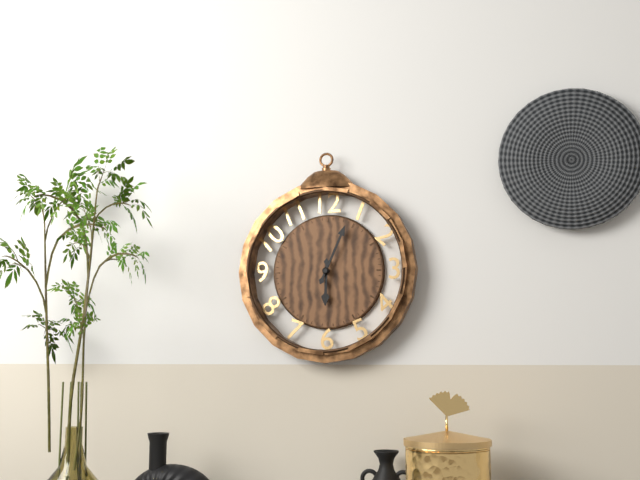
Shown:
h=6 m=4
